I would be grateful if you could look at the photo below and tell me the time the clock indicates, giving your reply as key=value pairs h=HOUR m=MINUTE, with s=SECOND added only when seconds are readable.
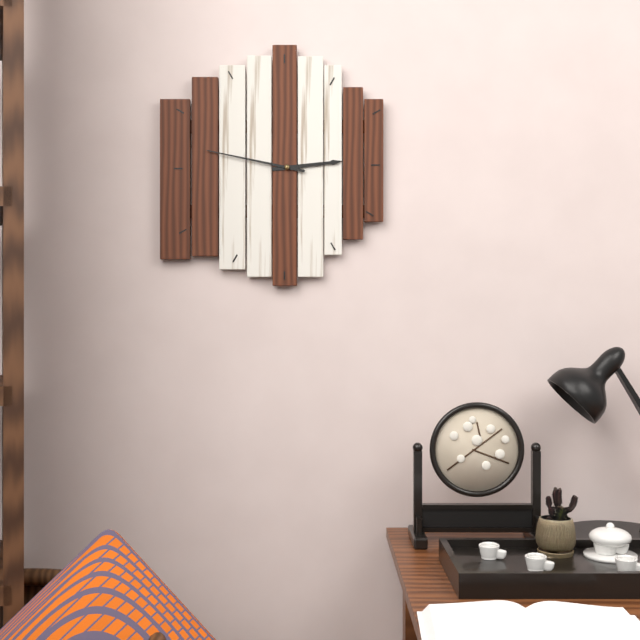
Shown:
h=2 m=47
